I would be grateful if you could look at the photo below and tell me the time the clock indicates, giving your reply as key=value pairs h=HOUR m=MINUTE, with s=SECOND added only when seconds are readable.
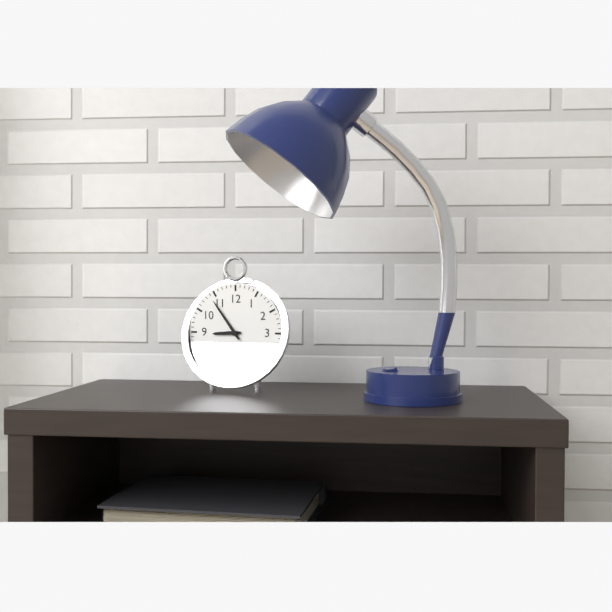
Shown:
h=8 m=54
